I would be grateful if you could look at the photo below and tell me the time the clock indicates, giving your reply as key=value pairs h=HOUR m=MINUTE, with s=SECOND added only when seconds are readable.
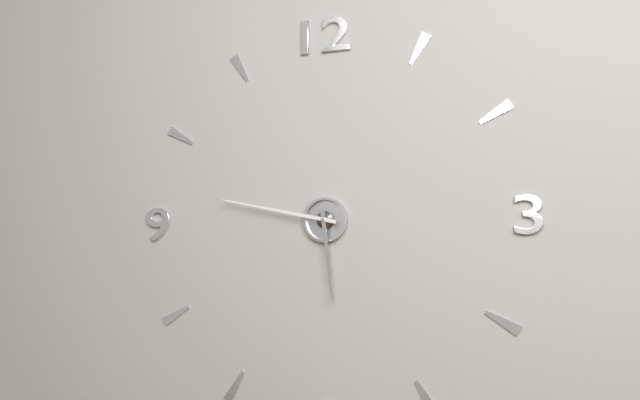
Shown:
h=5 m=47
